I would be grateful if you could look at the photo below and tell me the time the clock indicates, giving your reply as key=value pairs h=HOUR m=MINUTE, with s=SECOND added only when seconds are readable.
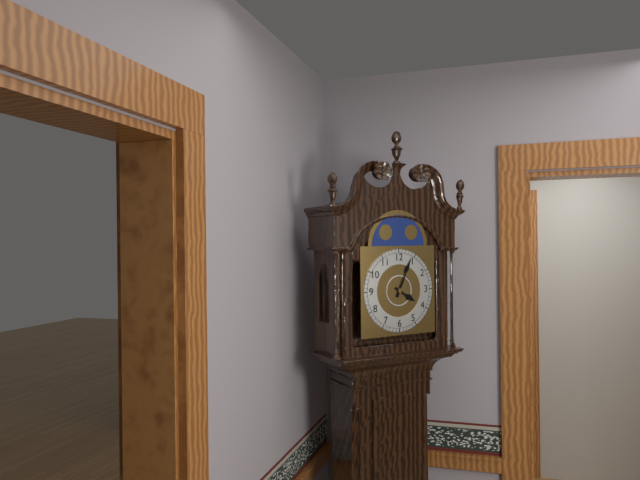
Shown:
h=4 m=4
